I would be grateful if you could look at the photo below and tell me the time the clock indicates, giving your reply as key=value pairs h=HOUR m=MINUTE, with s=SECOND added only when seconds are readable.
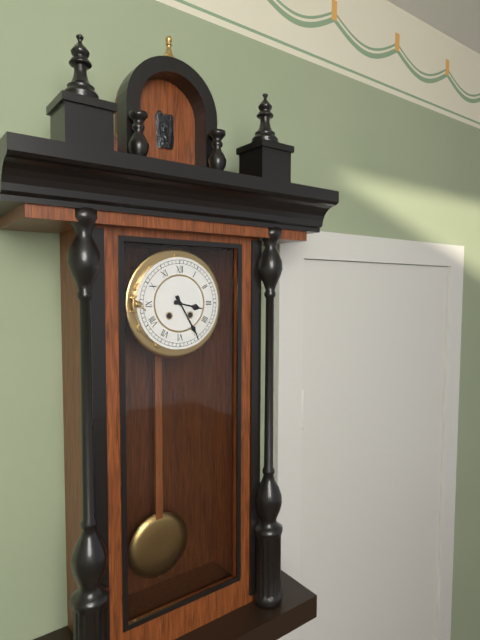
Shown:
h=3 m=25
